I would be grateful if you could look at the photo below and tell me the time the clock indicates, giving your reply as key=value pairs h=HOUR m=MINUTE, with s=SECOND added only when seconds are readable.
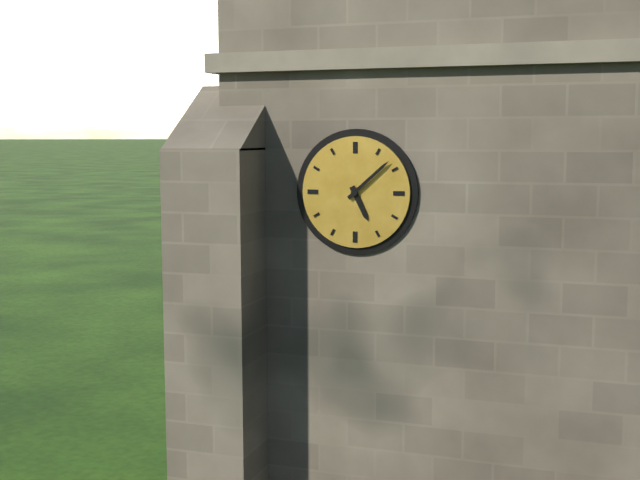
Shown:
h=5 m=8
